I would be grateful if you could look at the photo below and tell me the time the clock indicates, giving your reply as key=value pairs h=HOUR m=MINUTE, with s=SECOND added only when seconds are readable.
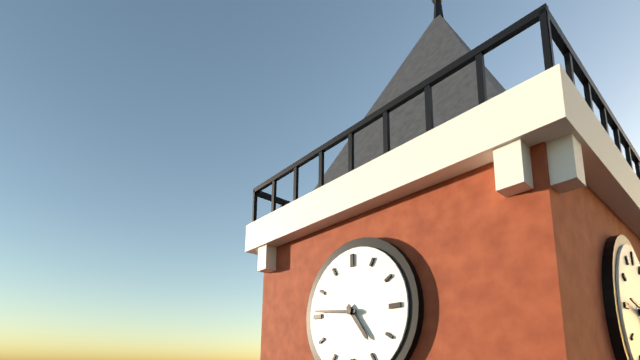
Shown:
h=4 m=46
